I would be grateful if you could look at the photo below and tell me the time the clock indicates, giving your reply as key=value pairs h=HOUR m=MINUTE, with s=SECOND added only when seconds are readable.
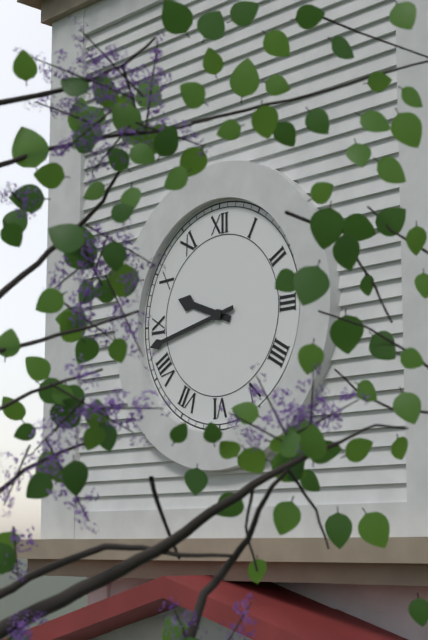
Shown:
h=9 m=43
